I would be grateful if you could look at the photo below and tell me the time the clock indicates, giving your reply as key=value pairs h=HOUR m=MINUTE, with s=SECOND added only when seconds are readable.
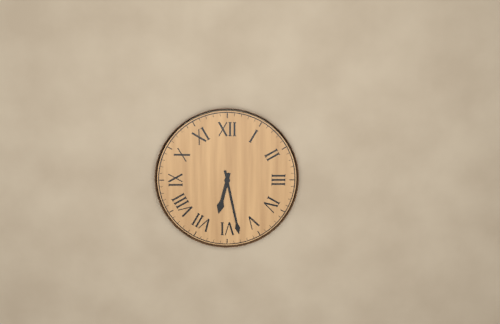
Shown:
h=6 m=28
